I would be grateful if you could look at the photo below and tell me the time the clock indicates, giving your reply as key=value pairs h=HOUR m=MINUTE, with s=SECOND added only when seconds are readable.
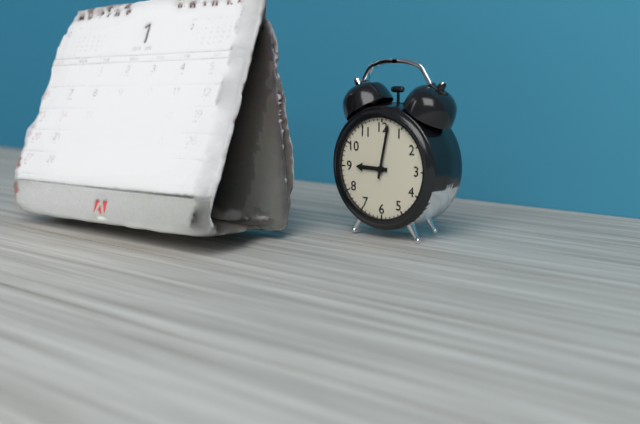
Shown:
h=9 m=2
